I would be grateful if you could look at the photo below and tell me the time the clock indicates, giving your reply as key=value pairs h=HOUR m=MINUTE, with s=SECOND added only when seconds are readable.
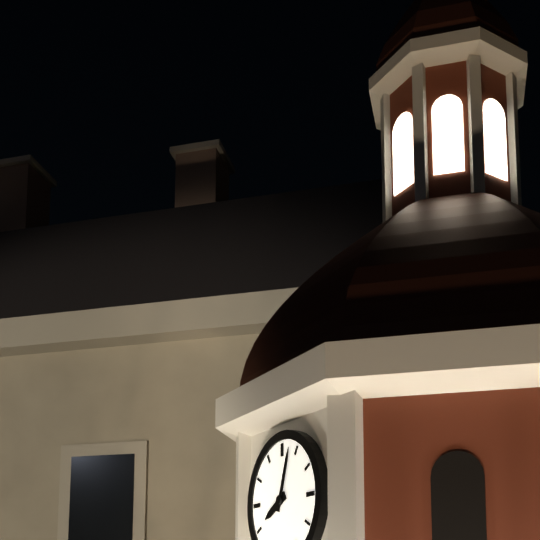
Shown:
h=8 m=3
